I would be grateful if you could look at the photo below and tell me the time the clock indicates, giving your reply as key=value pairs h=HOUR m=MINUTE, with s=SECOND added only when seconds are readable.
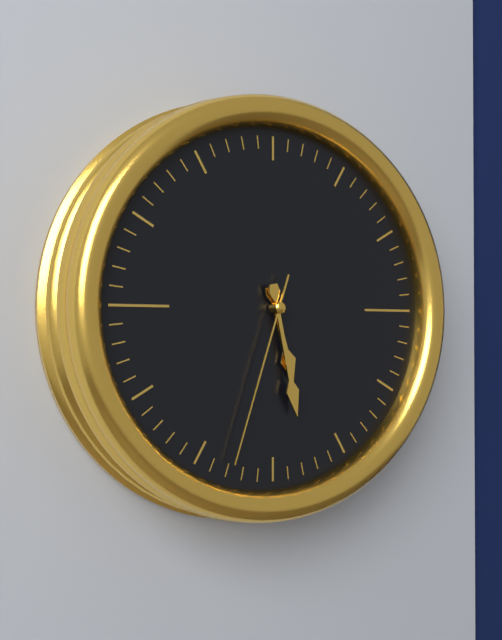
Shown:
h=5 m=28 s=33
